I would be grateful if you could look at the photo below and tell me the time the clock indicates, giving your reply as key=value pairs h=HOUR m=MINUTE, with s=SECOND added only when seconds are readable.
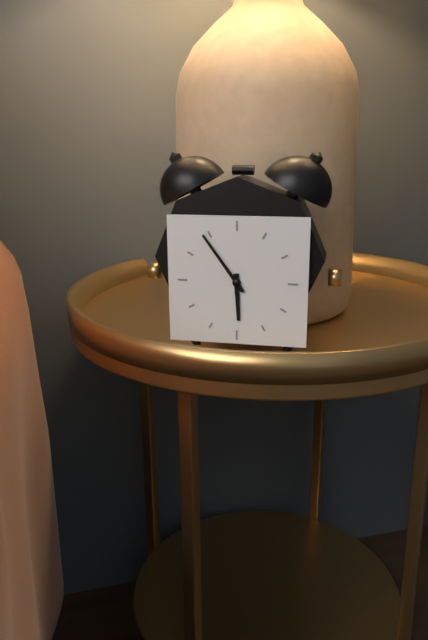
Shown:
h=5 m=54
